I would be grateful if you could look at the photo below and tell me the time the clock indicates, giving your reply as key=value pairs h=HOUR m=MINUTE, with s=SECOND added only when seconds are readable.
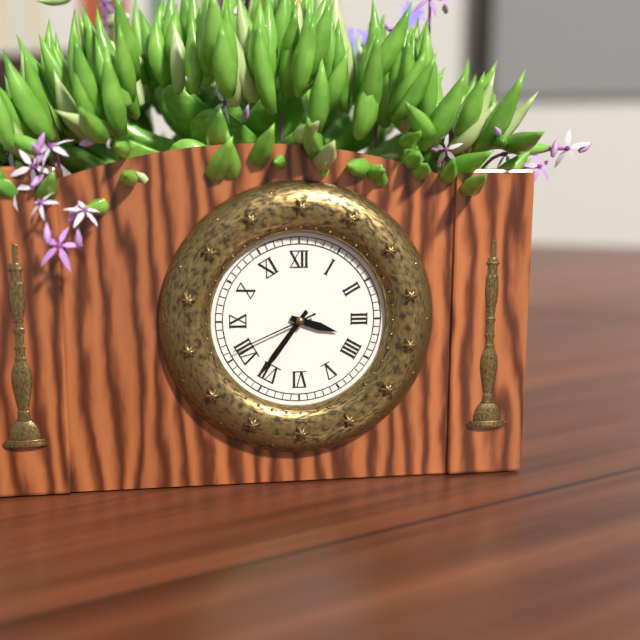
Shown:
h=3 m=36 s=41
